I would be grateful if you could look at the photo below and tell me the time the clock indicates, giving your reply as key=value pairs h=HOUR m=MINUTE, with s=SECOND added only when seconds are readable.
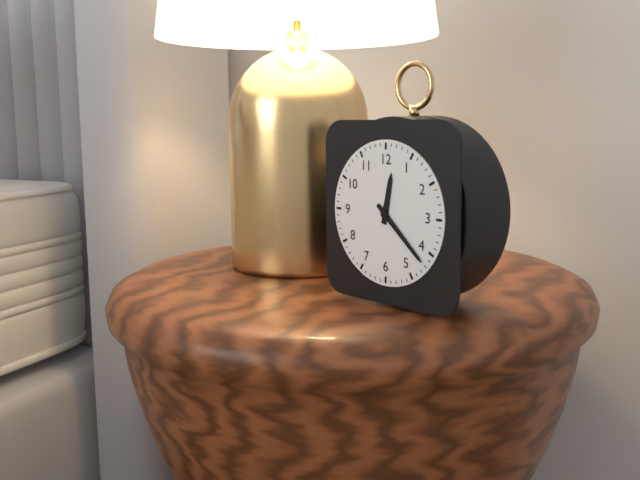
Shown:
h=12 m=22
